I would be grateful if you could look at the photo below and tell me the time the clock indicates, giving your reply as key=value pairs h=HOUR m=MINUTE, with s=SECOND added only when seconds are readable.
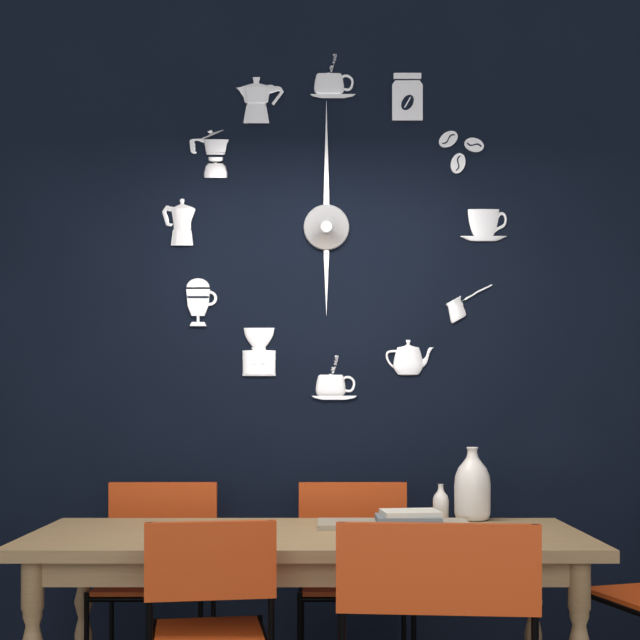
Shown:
h=6 m=0
